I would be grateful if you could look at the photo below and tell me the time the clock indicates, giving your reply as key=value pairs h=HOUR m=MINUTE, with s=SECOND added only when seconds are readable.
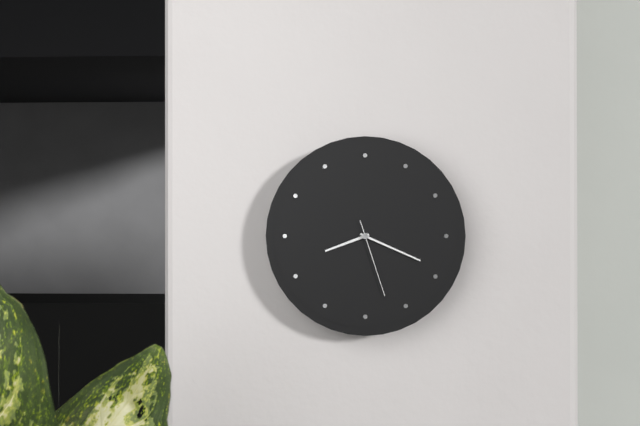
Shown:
h=8 m=19 s=27
